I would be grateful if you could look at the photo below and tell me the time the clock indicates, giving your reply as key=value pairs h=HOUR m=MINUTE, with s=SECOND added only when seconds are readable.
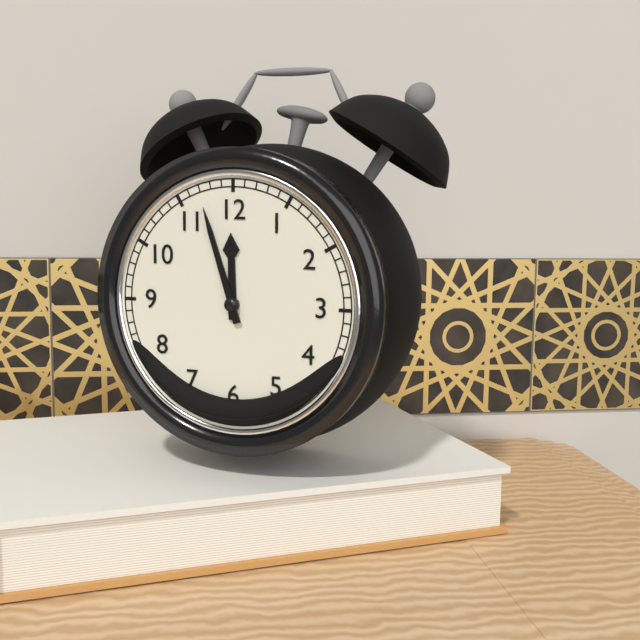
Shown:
h=11 m=57
